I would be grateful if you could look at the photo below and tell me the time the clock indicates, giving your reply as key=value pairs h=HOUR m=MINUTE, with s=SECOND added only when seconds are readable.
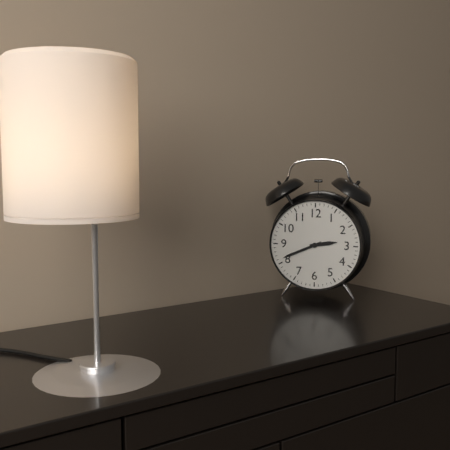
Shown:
h=2 m=41
